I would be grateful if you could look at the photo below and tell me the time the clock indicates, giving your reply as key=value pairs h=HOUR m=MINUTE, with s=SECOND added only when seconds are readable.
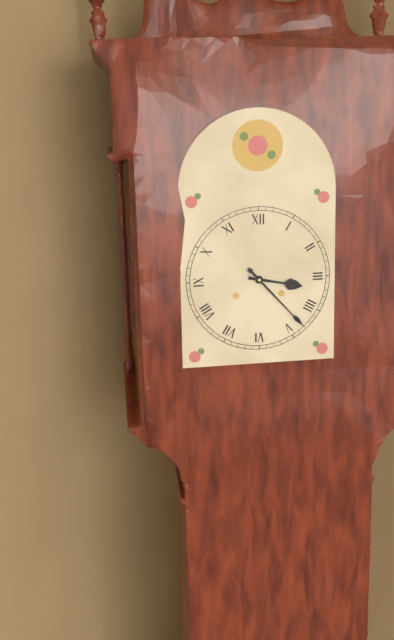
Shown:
h=3 m=23
